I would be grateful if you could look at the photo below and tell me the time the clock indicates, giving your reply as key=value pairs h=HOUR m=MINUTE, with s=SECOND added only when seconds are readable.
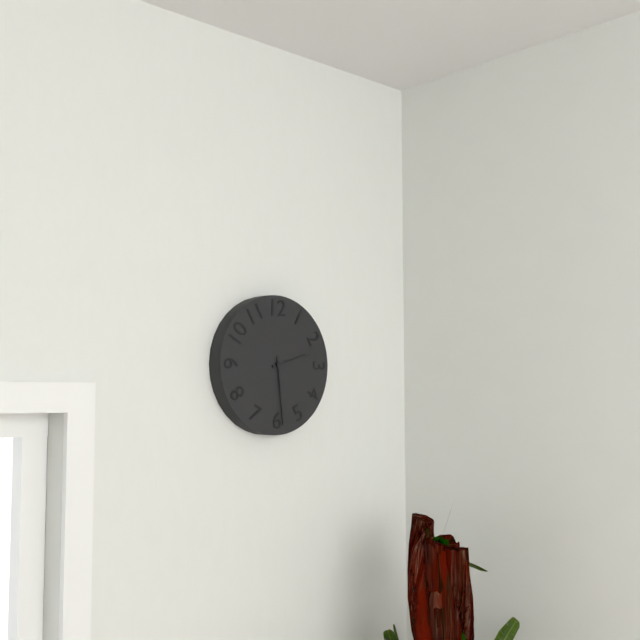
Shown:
h=2 m=29
